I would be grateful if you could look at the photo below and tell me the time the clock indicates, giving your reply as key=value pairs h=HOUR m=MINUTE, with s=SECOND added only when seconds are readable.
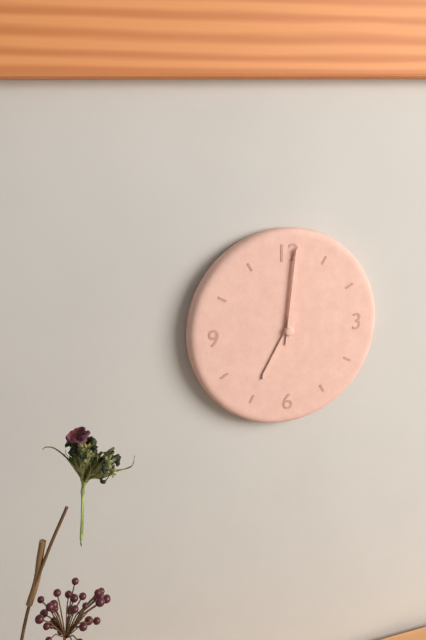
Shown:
h=7 m=1
